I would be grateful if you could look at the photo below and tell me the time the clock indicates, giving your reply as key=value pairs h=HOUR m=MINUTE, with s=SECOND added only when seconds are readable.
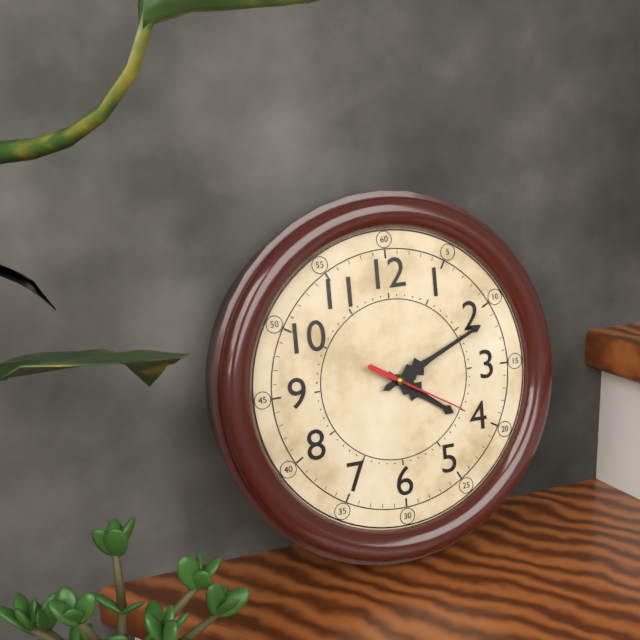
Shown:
h=4 m=11 s=20
